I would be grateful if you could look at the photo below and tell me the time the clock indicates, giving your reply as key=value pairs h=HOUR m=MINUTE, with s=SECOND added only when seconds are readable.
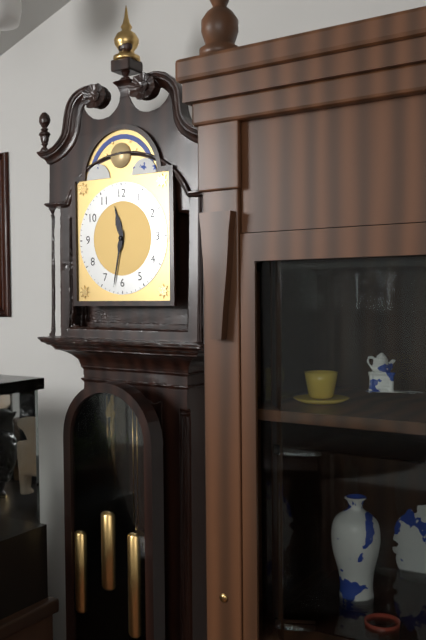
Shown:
h=11 m=32
